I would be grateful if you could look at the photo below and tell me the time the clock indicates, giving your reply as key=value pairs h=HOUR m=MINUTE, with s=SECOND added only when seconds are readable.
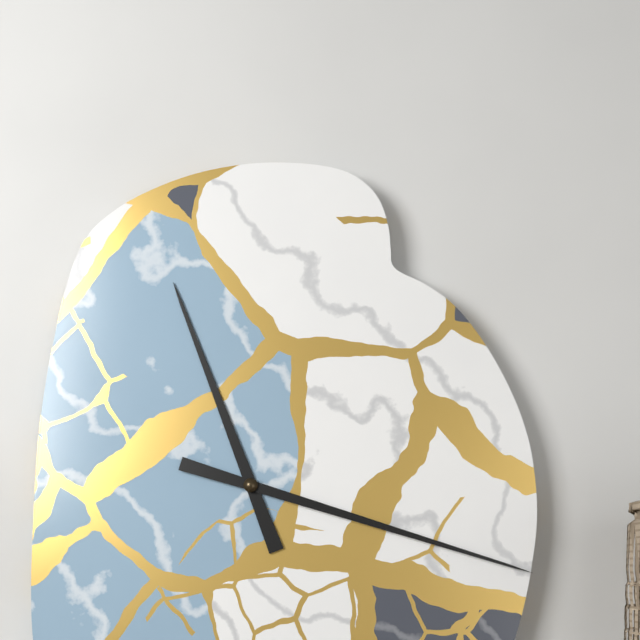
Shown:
h=11 m=18
